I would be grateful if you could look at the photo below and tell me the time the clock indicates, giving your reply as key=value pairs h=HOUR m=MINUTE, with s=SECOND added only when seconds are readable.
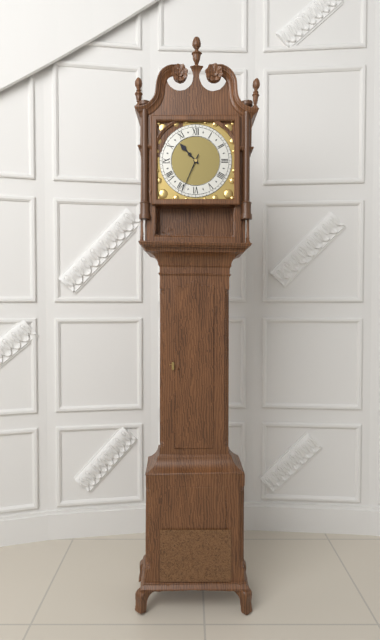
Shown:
h=10 m=34
